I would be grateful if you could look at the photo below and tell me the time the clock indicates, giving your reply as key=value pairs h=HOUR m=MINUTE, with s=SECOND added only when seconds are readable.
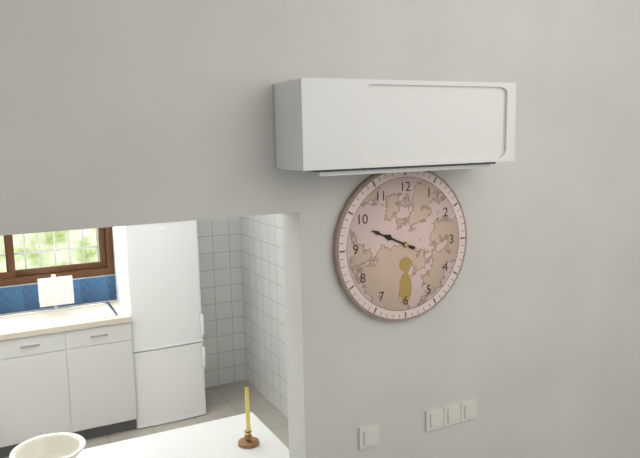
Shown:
h=9 m=49
